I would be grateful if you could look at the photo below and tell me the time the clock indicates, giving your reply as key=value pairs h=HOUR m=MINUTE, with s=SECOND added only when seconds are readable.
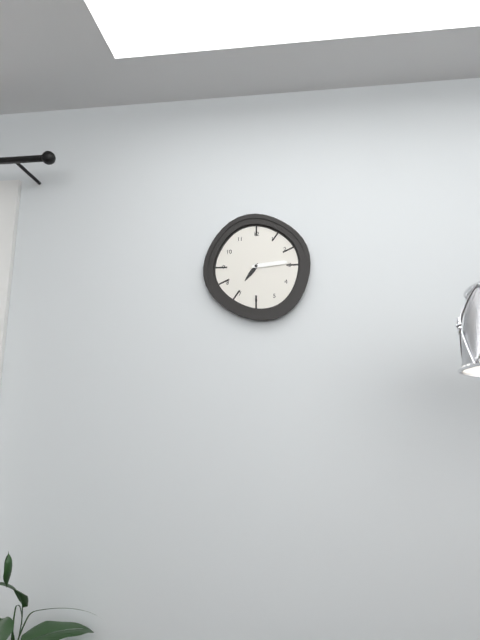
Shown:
h=7 m=14
